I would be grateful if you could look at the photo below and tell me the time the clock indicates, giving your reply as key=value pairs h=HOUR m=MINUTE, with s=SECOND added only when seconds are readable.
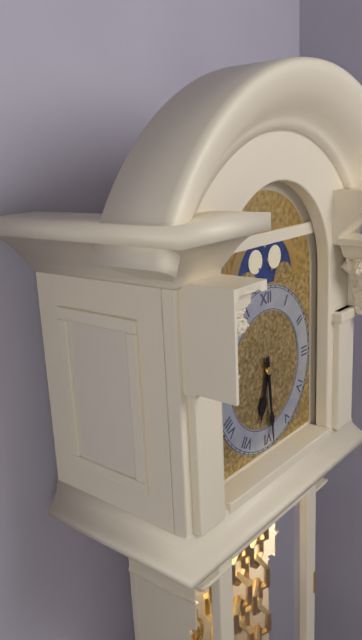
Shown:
h=6 m=29
